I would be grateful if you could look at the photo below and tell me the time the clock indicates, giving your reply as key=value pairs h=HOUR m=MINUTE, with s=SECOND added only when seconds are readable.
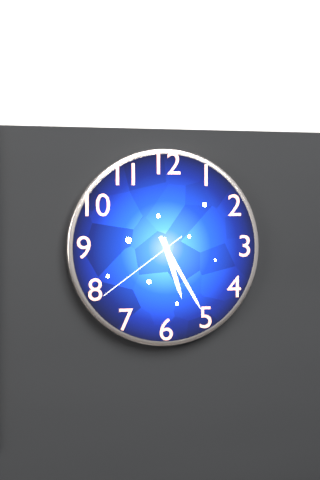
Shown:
h=5 m=25 s=39
